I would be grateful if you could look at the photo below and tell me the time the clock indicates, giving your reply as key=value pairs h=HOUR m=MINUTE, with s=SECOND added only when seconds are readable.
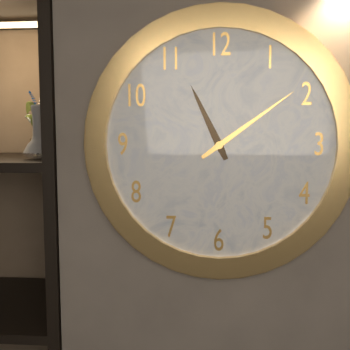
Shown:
h=11 m=9
